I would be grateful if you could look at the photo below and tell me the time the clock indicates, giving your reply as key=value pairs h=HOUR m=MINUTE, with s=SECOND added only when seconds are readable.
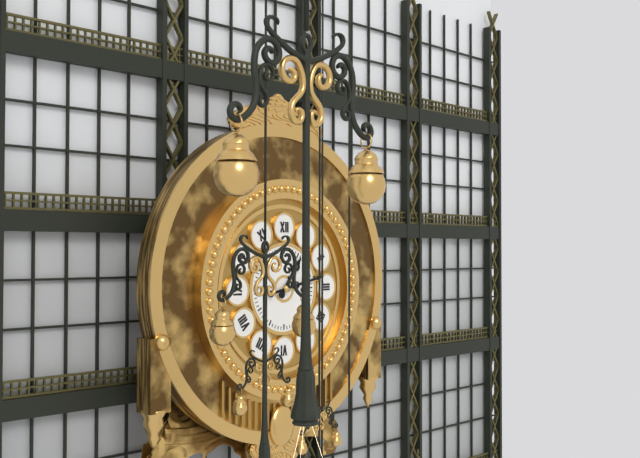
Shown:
h=1 m=13
